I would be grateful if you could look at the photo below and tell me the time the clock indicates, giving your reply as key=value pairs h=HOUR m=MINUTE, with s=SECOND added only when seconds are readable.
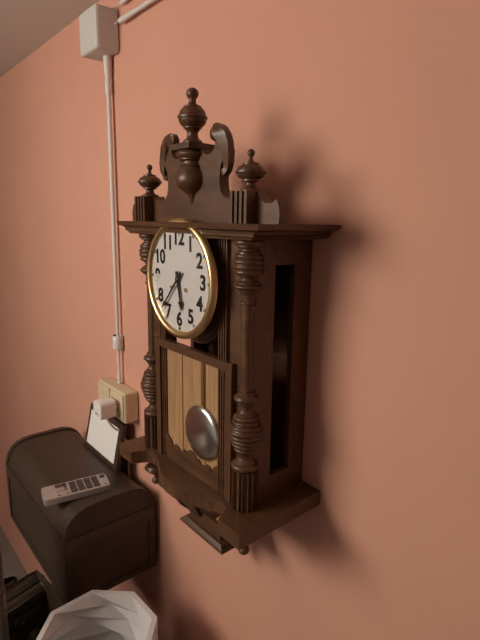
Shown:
h=5 m=37
